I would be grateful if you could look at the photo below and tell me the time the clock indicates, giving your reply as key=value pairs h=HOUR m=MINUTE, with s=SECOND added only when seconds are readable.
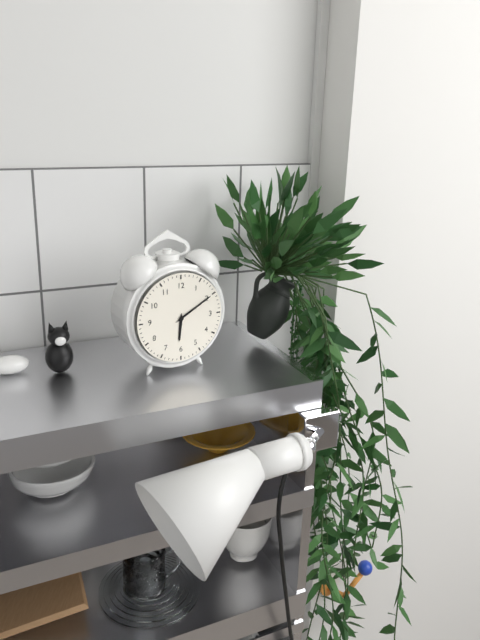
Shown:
h=6 m=10
